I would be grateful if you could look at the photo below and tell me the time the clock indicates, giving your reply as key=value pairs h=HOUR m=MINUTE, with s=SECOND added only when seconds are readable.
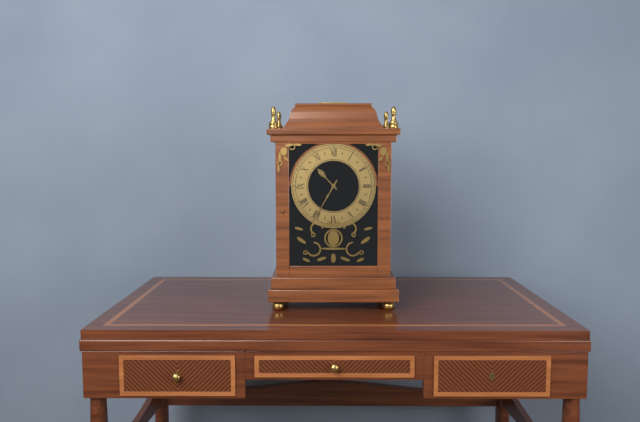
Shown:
h=10 m=35
